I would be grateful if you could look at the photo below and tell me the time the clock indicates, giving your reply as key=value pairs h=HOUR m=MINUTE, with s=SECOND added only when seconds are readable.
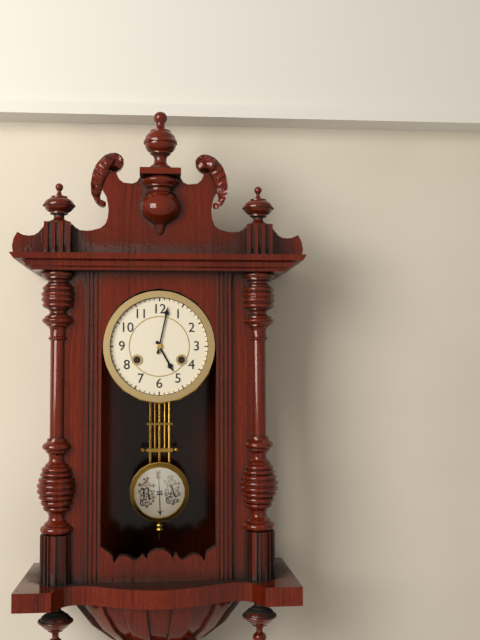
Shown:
h=5 m=2
